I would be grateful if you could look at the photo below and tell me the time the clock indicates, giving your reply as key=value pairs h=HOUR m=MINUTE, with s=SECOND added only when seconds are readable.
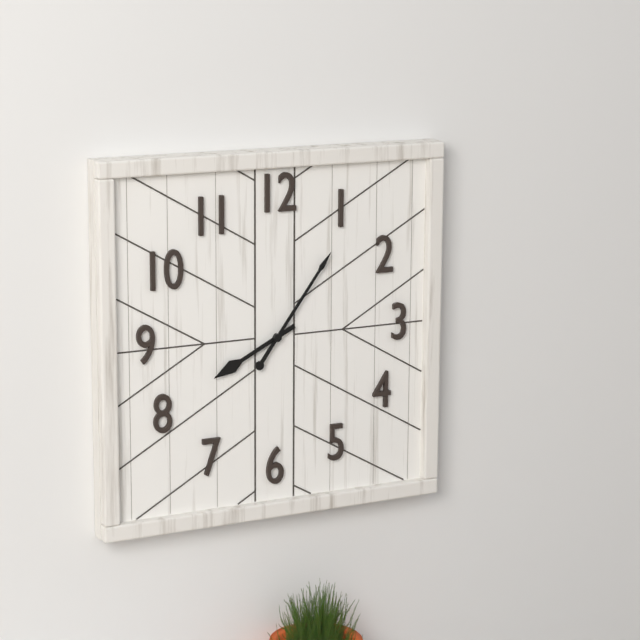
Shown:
h=8 m=6
